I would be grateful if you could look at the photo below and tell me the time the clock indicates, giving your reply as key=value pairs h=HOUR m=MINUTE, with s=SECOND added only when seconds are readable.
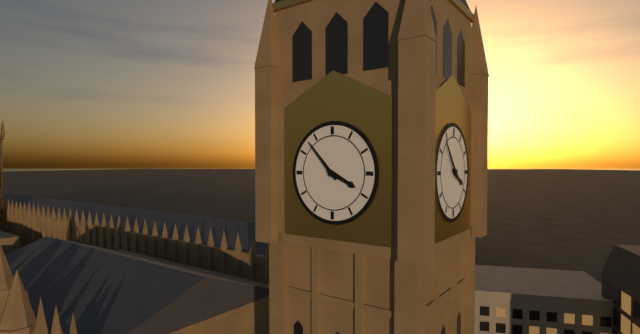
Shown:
h=3 m=53
